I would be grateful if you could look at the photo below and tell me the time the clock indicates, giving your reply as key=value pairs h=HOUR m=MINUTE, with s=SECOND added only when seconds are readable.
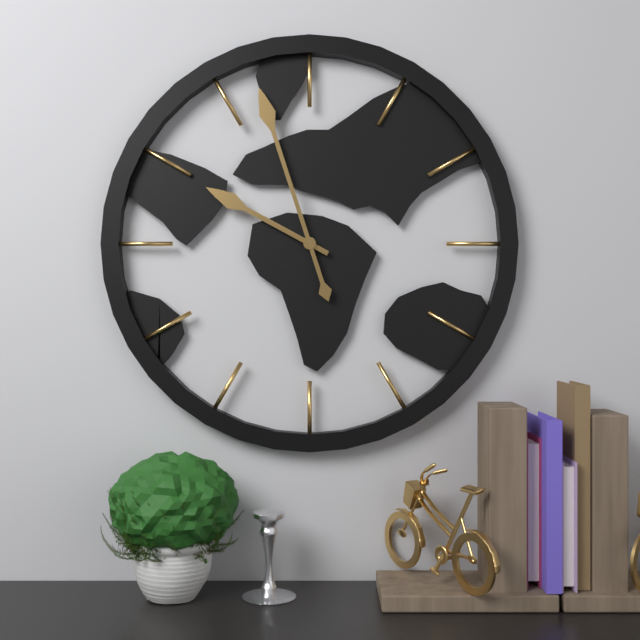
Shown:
h=9 m=57
